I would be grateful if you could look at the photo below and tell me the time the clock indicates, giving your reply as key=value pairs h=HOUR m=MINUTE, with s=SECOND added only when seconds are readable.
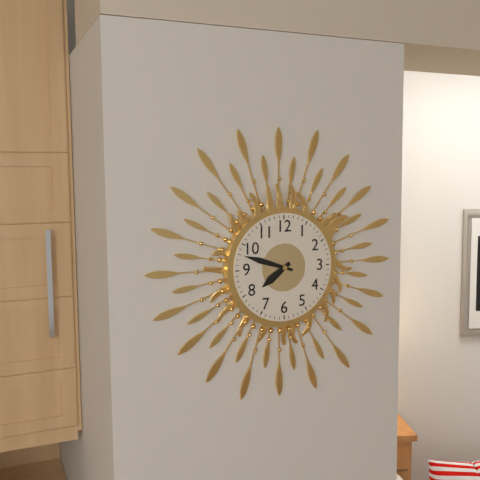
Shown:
h=7 m=48
